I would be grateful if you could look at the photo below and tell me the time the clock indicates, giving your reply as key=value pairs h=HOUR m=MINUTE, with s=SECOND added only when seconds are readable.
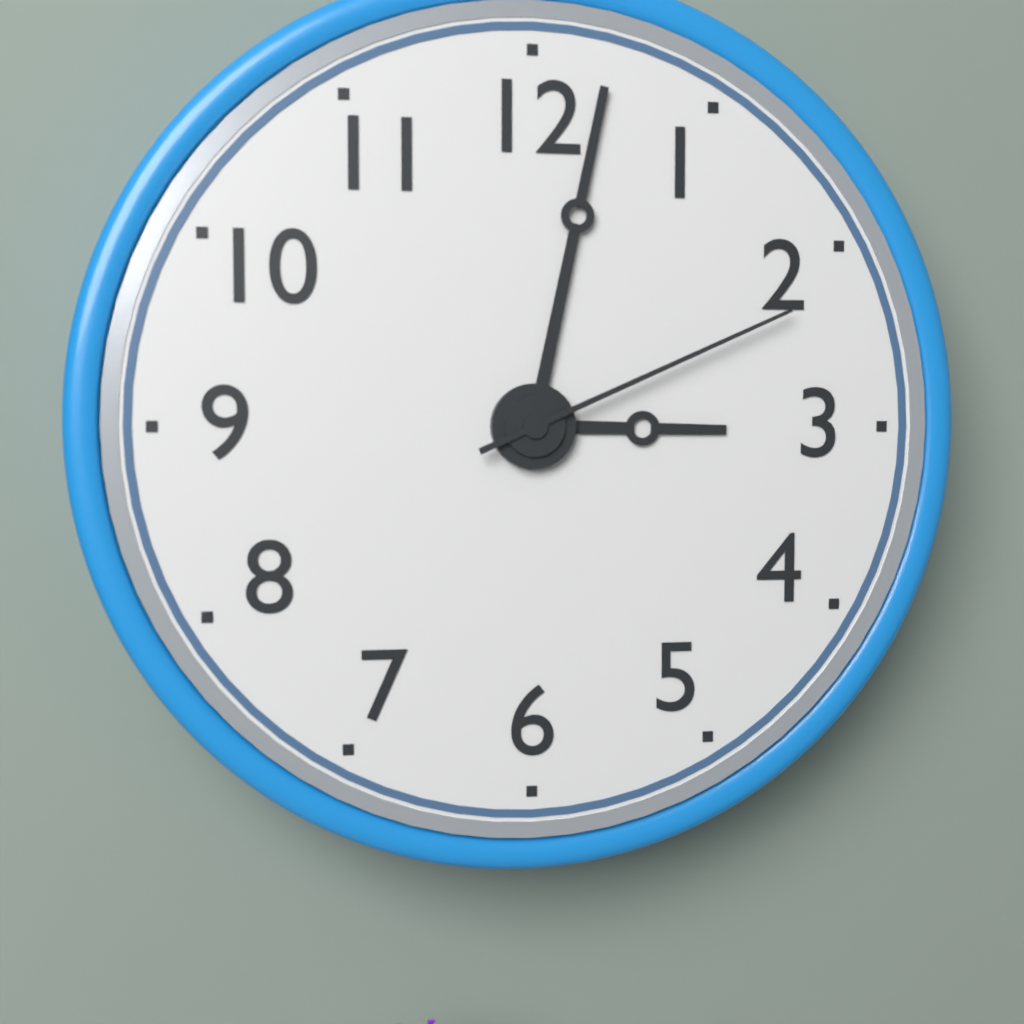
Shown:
h=3 m=2 s=11
